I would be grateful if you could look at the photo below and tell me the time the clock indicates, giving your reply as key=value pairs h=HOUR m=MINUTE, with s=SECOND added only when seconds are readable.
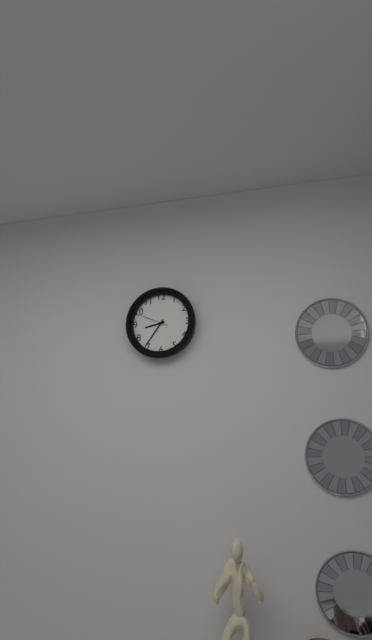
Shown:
h=8 m=36
